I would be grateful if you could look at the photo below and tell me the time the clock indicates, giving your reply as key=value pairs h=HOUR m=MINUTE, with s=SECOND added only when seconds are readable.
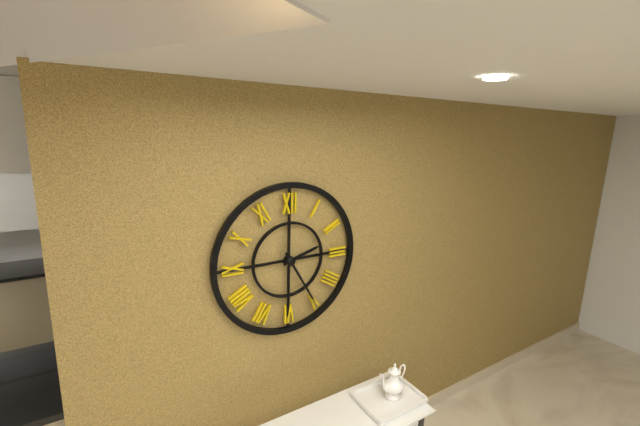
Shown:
h=2 m=25
